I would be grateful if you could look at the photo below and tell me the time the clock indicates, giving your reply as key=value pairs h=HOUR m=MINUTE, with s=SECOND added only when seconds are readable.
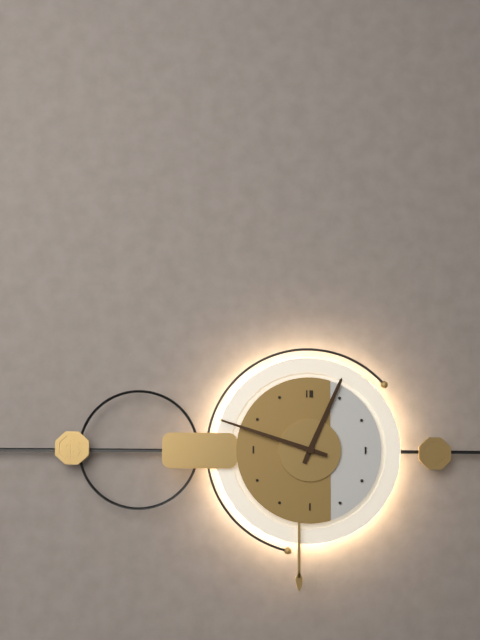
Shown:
h=12 m=48
